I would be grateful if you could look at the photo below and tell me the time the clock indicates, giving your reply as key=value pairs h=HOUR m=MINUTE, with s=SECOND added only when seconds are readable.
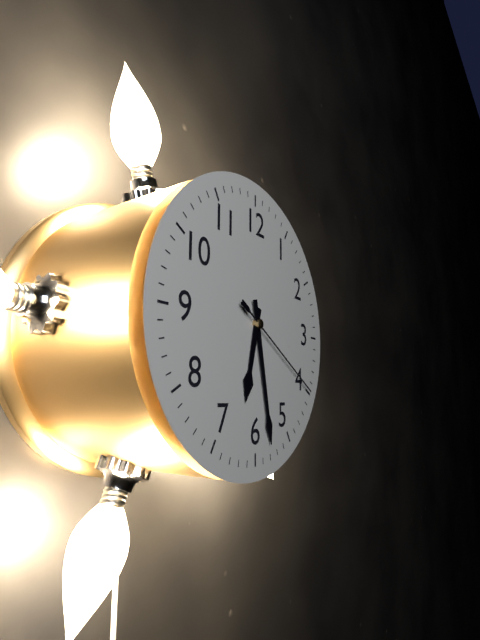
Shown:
h=6 m=28 s=20
